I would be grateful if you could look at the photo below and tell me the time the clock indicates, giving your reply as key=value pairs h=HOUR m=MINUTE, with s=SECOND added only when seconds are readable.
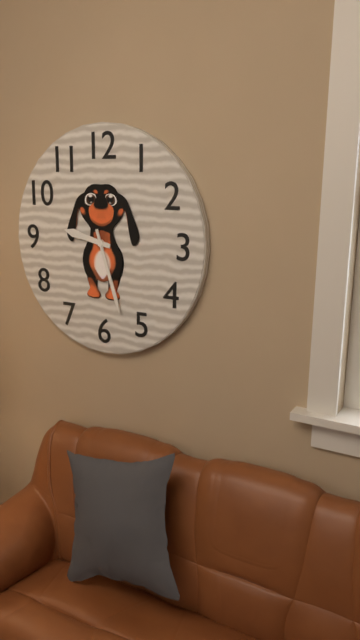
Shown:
h=9 m=27
